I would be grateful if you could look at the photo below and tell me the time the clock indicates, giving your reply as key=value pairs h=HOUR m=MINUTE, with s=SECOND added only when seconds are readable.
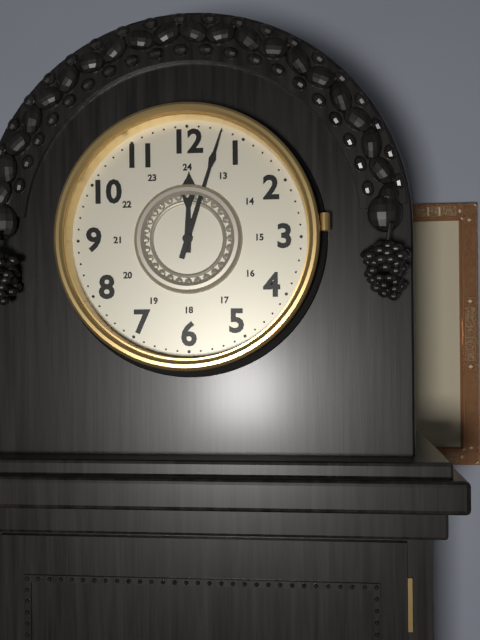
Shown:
h=12 m=3
